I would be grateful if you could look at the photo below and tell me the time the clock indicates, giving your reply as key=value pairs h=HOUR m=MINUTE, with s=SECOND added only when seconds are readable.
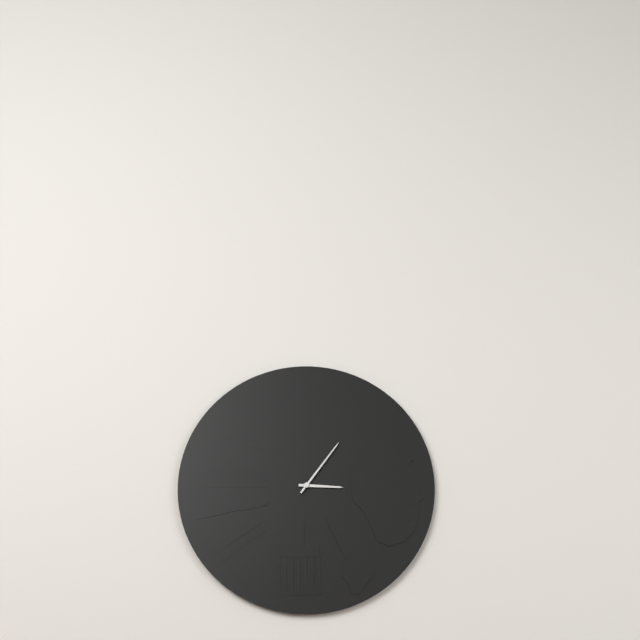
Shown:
h=3 m=6
